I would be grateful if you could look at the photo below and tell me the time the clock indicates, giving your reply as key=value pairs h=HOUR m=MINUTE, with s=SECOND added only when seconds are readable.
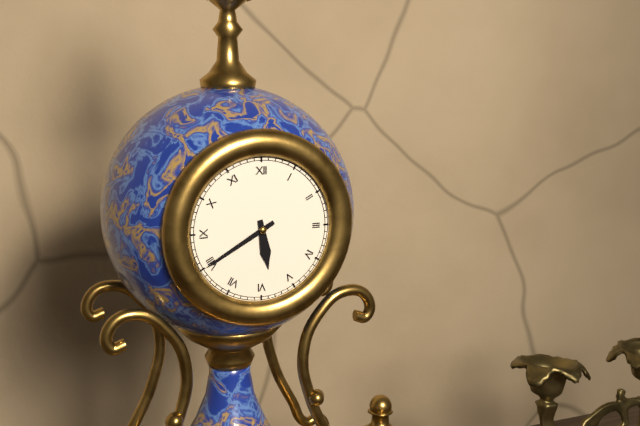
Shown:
h=5 m=40
